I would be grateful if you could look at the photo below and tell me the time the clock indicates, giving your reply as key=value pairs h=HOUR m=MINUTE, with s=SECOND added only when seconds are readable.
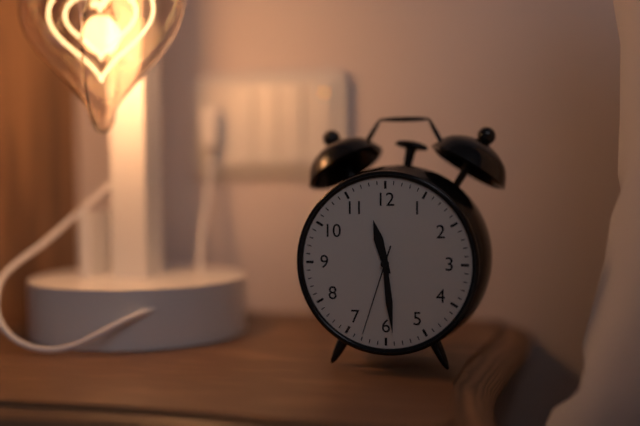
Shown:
h=11 m=29 s=33
